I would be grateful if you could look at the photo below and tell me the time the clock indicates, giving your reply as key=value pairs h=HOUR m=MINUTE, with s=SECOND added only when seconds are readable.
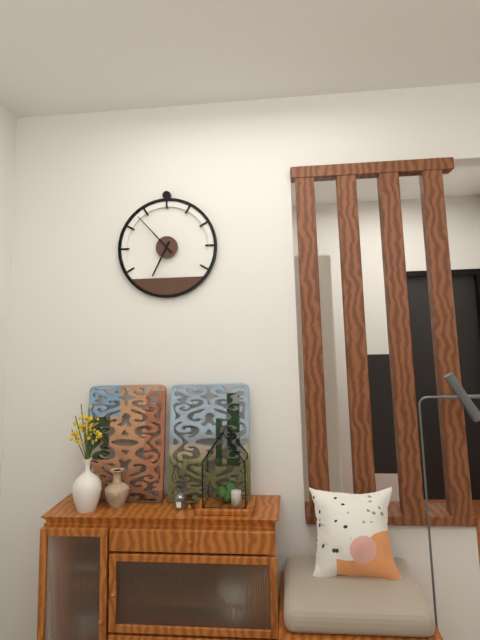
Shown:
h=6 m=53
